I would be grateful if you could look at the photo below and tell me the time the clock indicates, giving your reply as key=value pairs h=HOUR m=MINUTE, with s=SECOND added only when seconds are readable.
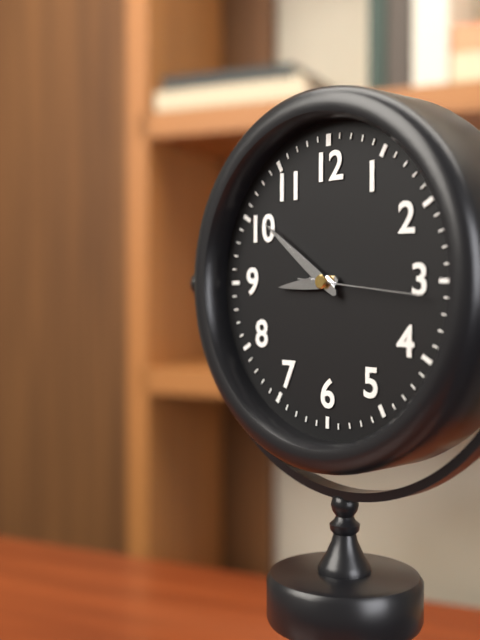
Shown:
h=8 m=51 s=16
